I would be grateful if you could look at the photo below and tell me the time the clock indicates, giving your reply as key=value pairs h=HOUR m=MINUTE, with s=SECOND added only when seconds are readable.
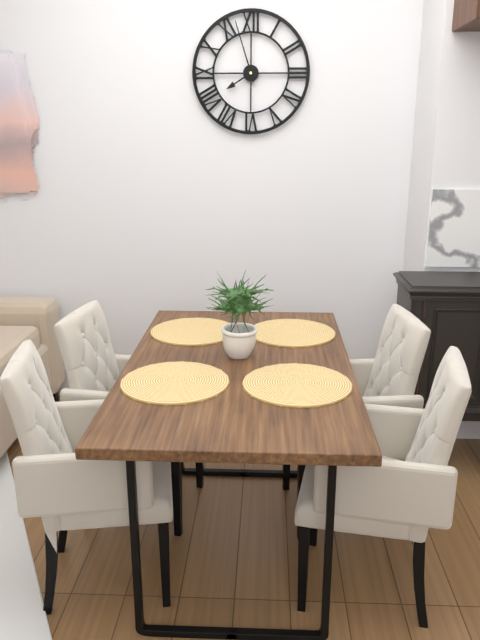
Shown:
h=7 m=57
